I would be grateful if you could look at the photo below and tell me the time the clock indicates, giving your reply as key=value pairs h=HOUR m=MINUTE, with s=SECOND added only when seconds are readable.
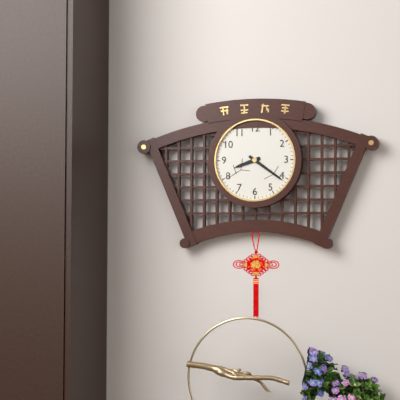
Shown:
h=8 m=21
